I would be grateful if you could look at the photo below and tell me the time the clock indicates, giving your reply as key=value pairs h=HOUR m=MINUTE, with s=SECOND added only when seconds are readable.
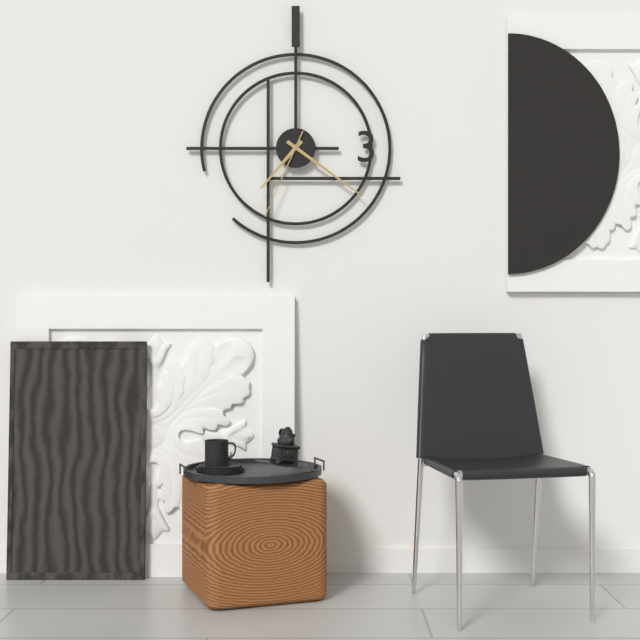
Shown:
h=7 m=21 s=34
